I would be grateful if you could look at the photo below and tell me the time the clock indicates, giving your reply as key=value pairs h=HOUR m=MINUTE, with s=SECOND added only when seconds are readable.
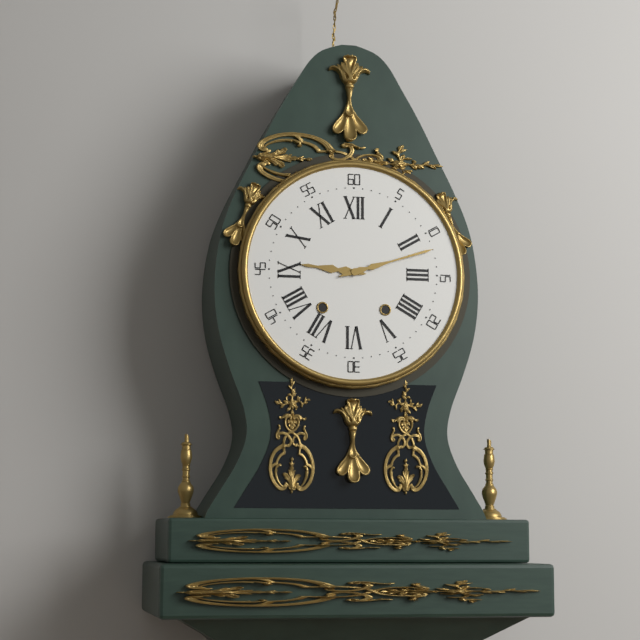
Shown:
h=9 m=12
